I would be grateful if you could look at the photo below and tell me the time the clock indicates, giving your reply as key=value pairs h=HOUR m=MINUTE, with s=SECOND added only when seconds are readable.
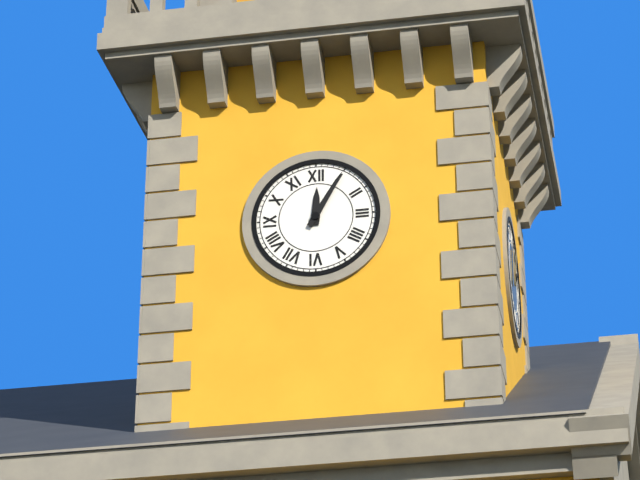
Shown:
h=12 m=5
